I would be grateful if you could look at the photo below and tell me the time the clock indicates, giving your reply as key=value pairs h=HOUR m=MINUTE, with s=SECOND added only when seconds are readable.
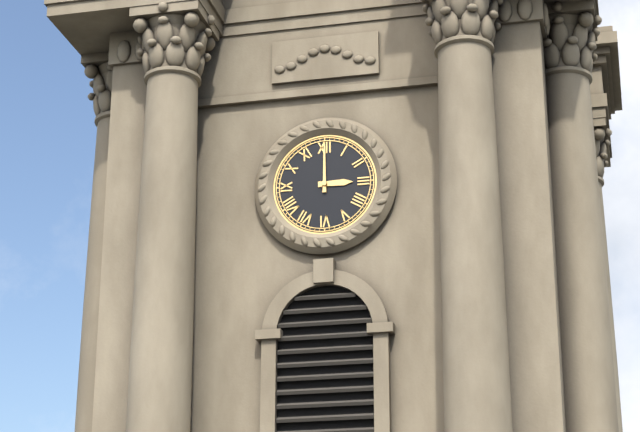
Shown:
h=3 m=0
